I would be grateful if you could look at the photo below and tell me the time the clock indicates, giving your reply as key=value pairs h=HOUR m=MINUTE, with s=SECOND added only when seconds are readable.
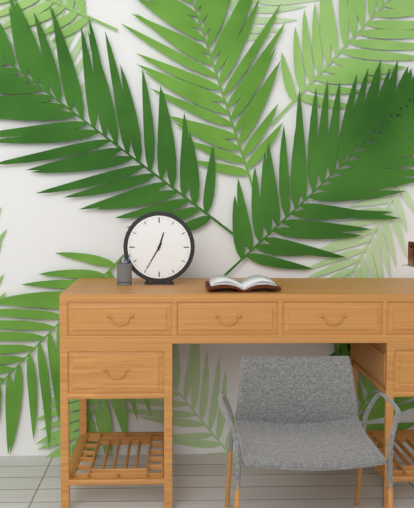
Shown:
h=12 m=35
